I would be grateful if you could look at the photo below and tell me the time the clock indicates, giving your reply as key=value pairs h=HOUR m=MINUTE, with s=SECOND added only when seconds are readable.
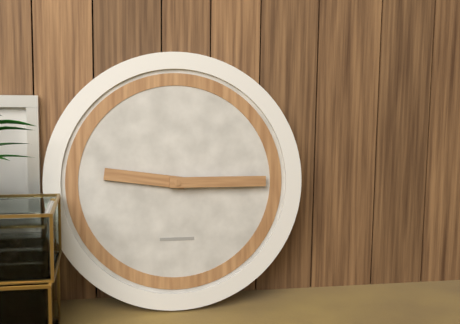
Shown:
h=9 m=15
